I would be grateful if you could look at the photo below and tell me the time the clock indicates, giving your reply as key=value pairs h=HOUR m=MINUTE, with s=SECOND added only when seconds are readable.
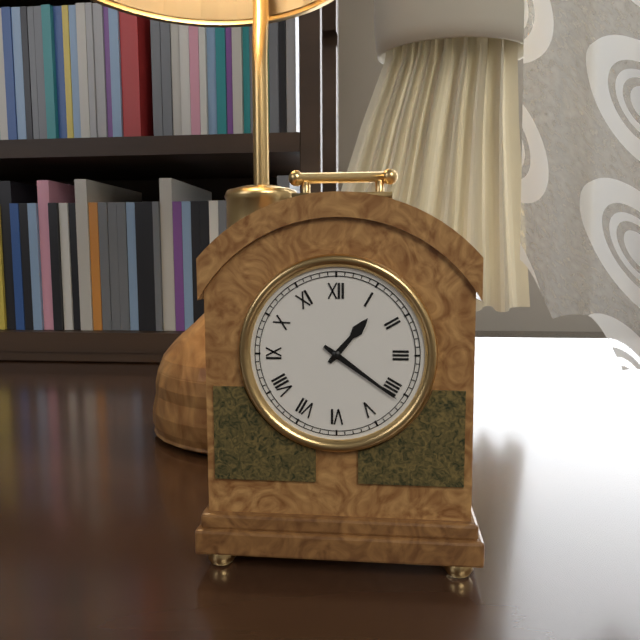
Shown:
h=1 m=21
